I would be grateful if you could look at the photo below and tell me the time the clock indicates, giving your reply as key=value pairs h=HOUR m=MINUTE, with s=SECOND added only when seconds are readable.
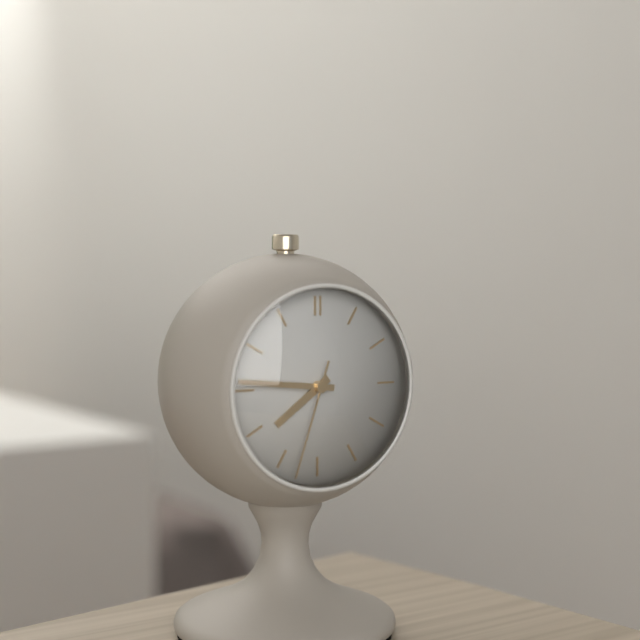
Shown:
h=7 m=46 s=33
